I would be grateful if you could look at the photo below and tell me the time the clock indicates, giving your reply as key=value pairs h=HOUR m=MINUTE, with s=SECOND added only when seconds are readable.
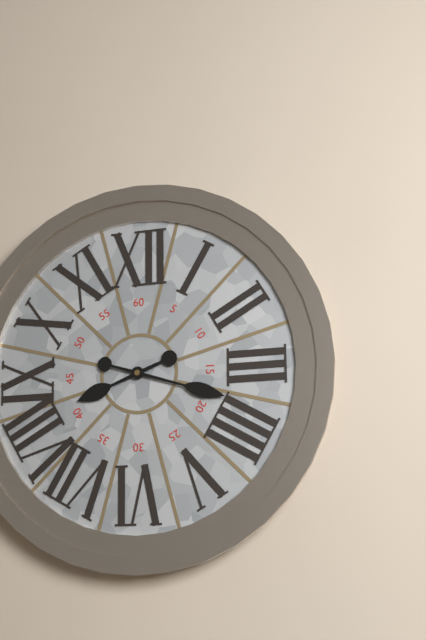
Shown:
h=8 m=18
